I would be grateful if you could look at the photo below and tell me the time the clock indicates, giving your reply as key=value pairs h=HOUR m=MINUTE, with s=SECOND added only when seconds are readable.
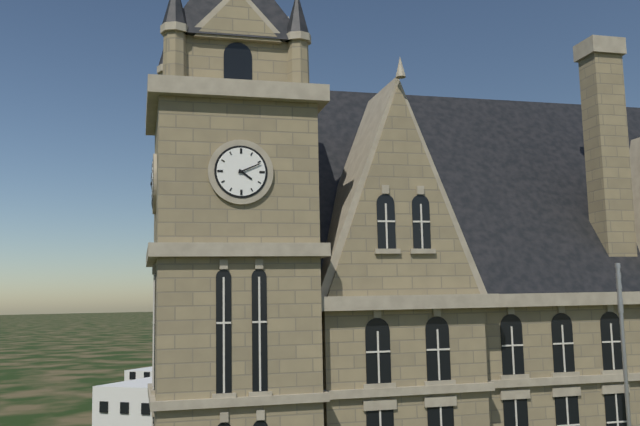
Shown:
h=4 m=11
